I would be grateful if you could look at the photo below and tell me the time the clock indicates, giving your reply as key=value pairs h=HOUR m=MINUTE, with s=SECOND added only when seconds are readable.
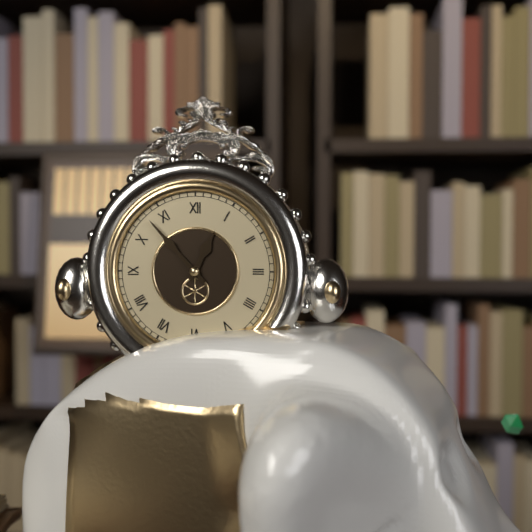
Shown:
h=12 m=53
